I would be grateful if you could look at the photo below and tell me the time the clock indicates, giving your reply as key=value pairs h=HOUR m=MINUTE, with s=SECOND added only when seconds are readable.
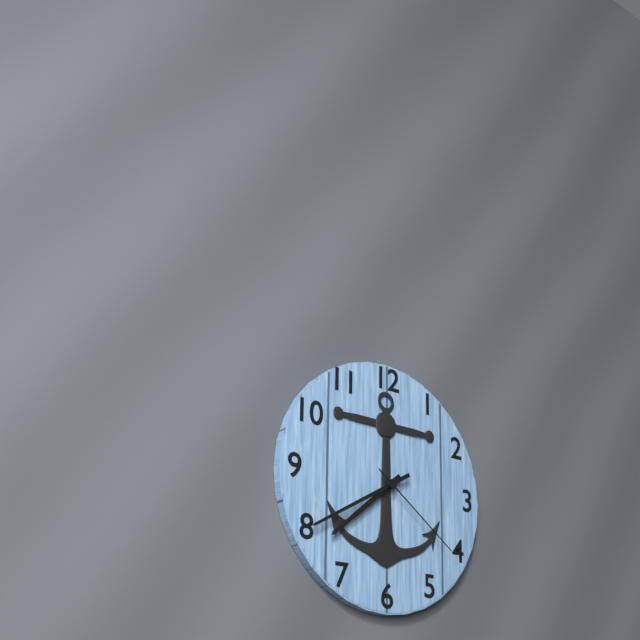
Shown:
h=7 m=40 s=21
